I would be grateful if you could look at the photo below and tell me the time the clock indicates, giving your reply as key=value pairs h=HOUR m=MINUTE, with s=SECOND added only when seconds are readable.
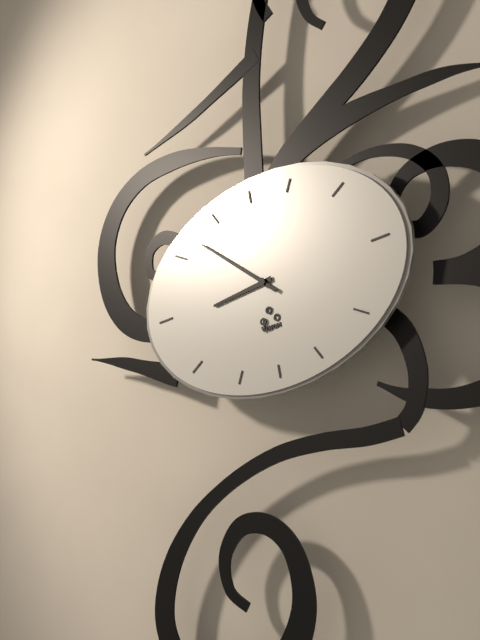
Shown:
h=8 m=52
